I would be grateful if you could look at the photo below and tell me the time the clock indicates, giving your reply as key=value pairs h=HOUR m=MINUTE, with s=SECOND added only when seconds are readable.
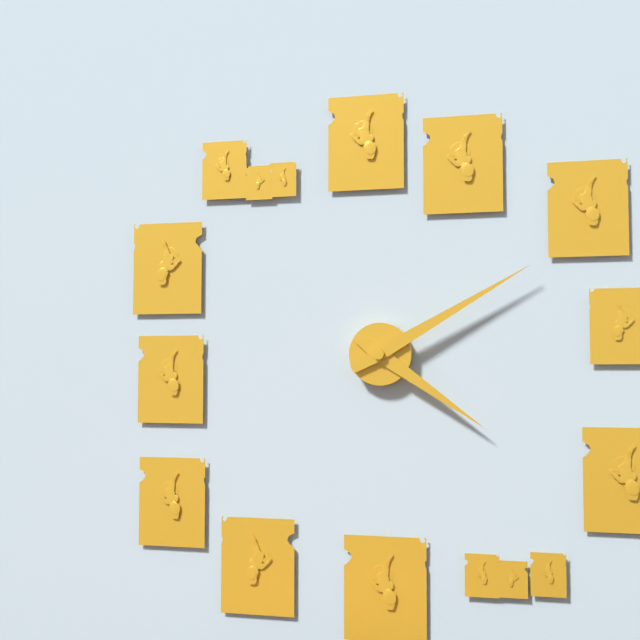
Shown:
h=4 m=10
